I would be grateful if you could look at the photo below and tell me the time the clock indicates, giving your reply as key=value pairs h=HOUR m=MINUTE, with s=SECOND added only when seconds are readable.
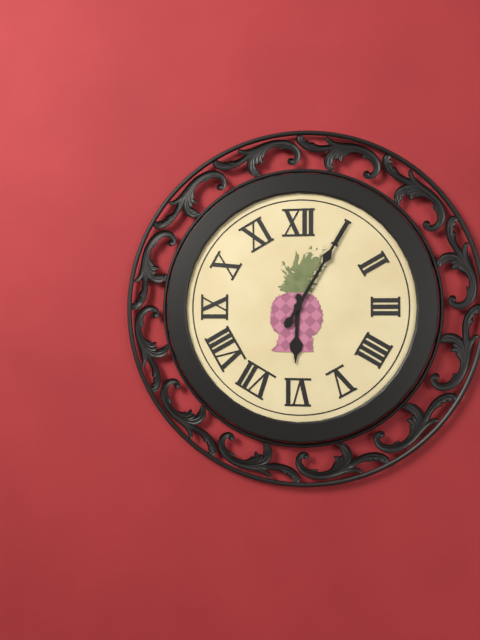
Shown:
h=6 m=5
